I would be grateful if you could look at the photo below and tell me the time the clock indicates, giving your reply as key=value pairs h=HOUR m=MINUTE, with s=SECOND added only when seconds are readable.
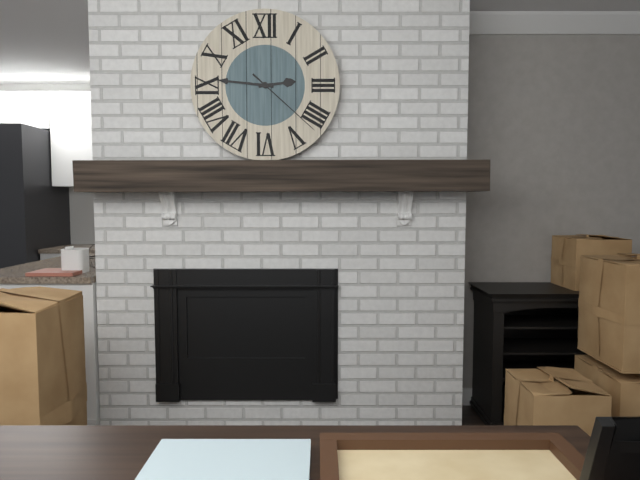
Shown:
h=2 m=46 s=22
